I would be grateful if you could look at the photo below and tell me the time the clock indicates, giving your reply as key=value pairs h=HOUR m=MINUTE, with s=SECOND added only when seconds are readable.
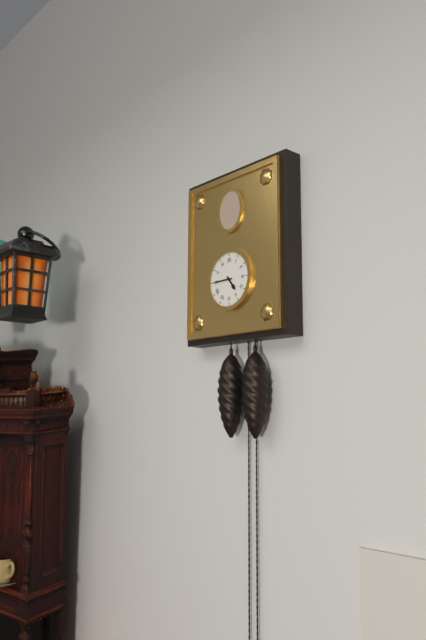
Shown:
h=4 m=45
